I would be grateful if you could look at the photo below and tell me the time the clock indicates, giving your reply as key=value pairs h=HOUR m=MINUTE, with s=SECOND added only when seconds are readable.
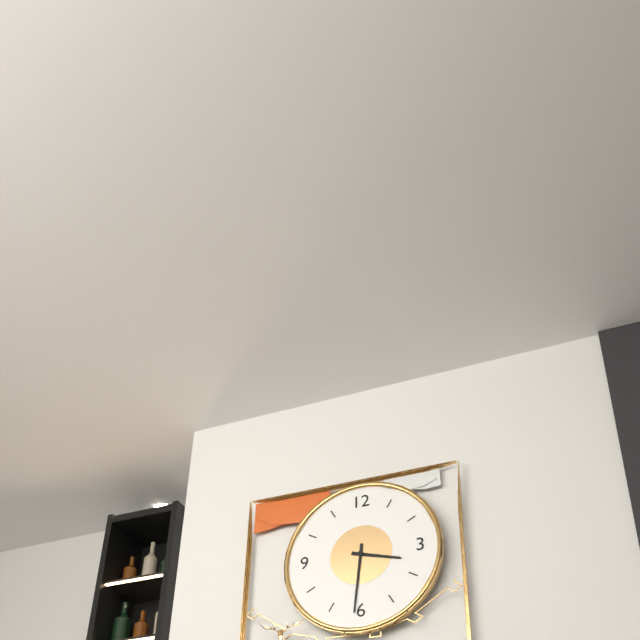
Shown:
h=3 m=31
